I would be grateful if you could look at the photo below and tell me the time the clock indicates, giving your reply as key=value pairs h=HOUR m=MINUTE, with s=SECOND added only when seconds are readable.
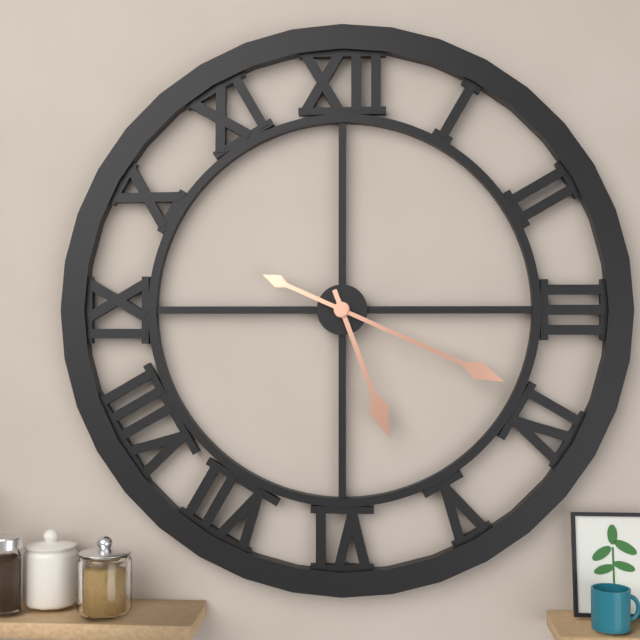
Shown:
h=5 m=19
